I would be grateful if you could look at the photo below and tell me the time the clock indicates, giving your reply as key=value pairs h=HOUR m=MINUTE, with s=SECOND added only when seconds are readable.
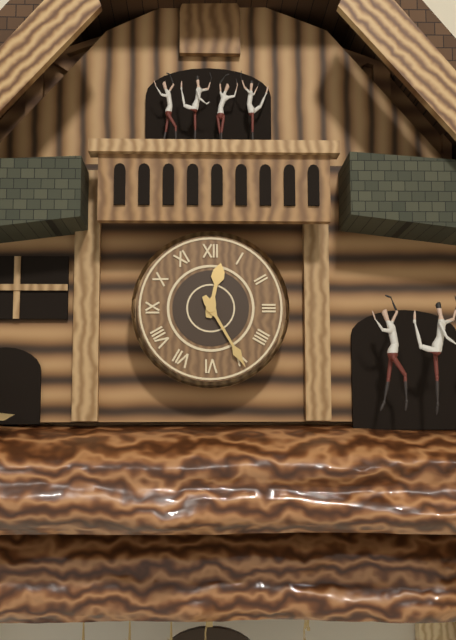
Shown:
h=12 m=25
